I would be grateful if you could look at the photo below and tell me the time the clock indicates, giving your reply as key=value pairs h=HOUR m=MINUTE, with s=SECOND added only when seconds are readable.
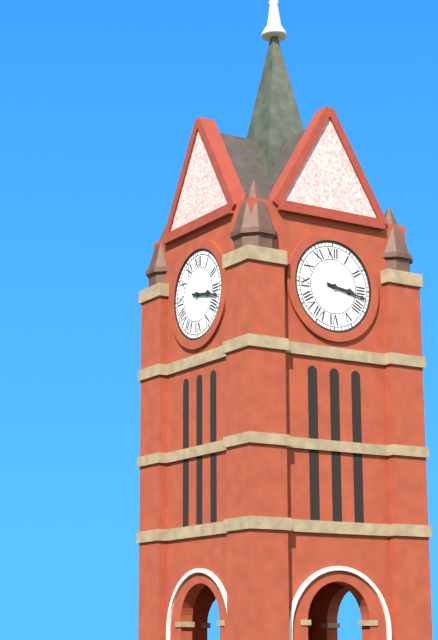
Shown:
h=3 m=17
